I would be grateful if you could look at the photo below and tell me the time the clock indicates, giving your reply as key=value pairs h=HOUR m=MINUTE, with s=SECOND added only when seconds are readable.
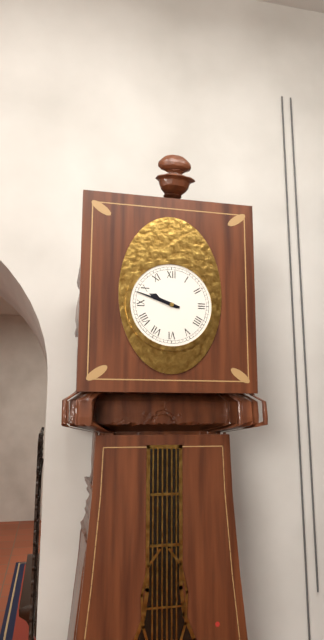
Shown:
h=9 m=48
